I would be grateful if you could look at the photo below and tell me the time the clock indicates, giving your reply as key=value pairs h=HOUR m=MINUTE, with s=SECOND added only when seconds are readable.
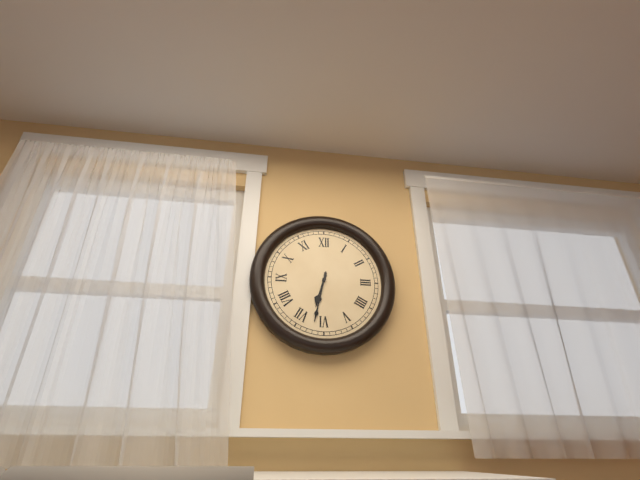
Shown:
h=6 m=32
